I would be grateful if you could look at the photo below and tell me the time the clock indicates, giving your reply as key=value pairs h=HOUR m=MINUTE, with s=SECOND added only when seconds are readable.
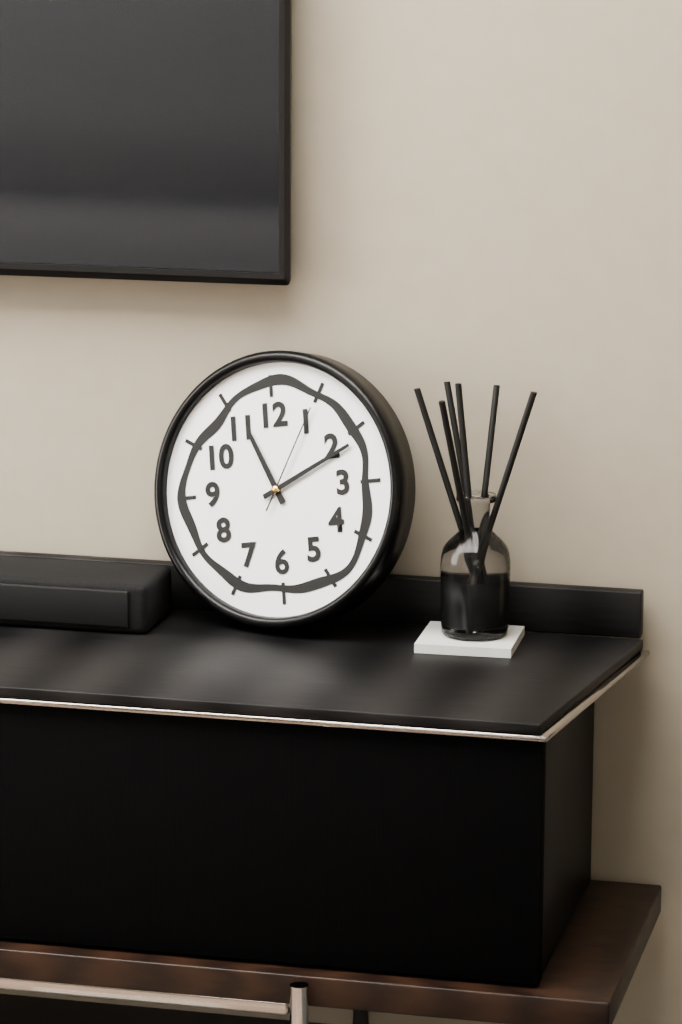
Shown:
h=11 m=11 s=5
